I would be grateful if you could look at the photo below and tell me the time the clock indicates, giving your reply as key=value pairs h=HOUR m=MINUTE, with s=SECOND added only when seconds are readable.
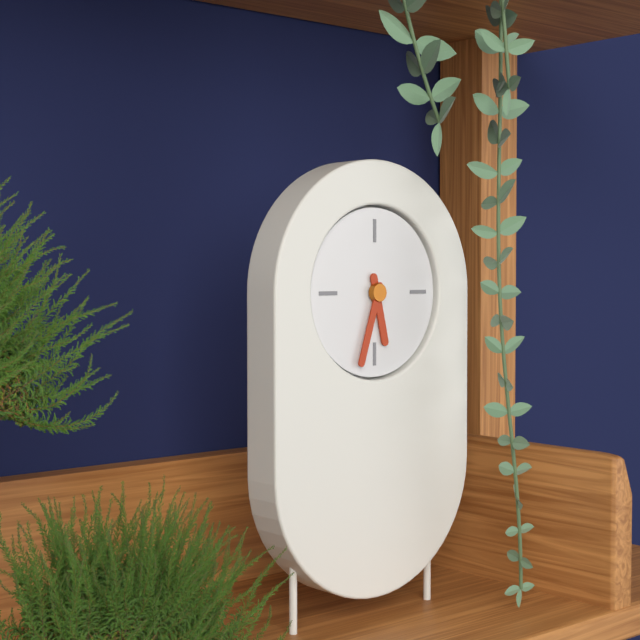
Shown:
h=5 m=33
